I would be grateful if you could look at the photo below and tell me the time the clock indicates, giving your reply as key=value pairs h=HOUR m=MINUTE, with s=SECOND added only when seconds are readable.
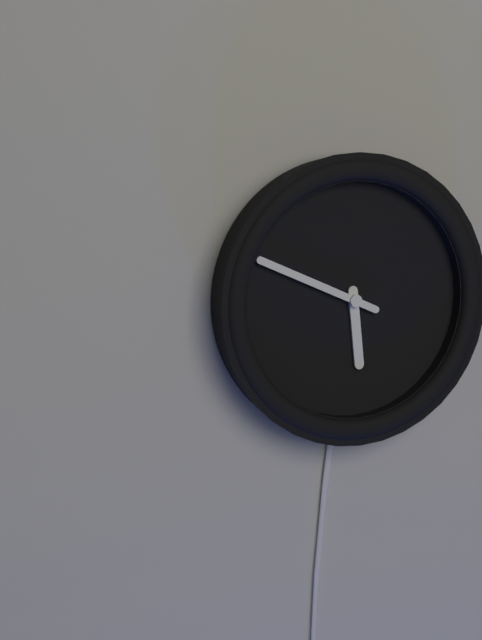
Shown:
h=5 m=49
